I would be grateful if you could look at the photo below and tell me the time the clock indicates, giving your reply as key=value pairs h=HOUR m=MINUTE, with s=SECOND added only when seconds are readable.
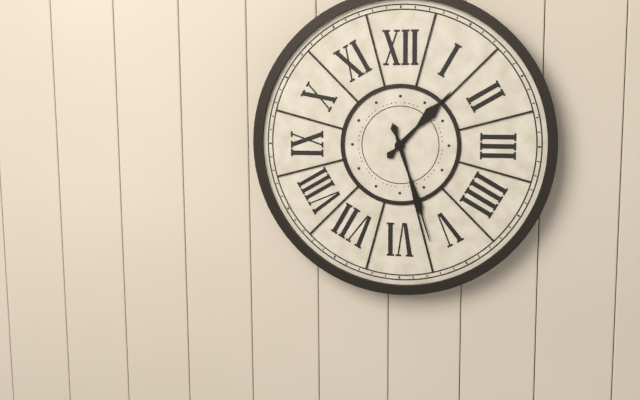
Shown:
h=1 m=27
